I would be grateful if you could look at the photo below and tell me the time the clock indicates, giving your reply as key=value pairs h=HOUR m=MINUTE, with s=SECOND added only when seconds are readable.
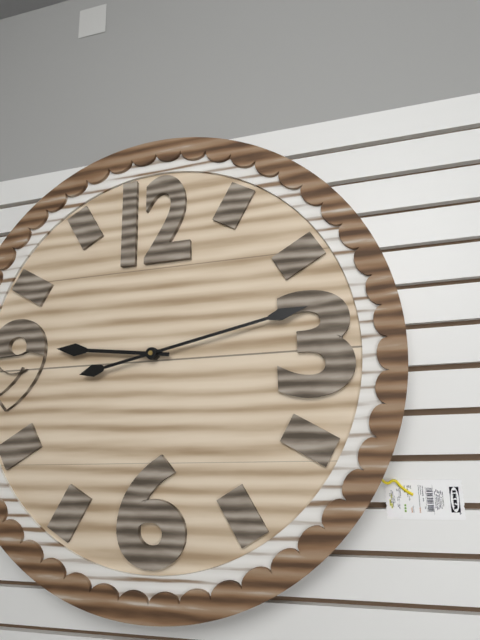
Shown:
h=9 m=13
